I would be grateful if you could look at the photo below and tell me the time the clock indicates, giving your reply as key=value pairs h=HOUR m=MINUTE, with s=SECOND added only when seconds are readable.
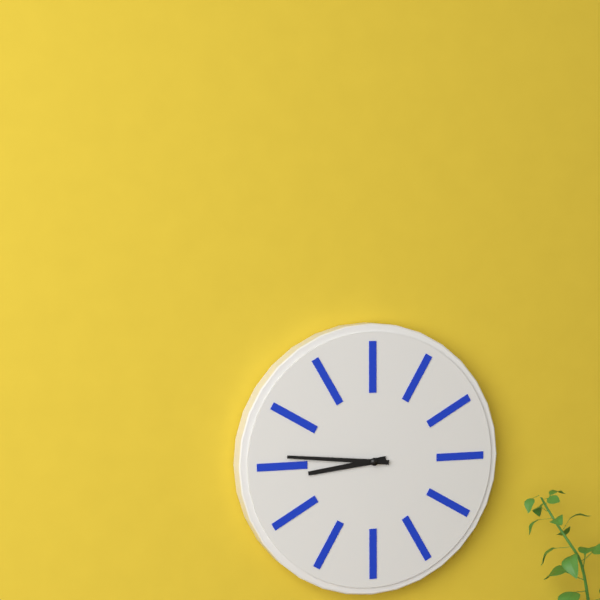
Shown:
h=8 m=46
